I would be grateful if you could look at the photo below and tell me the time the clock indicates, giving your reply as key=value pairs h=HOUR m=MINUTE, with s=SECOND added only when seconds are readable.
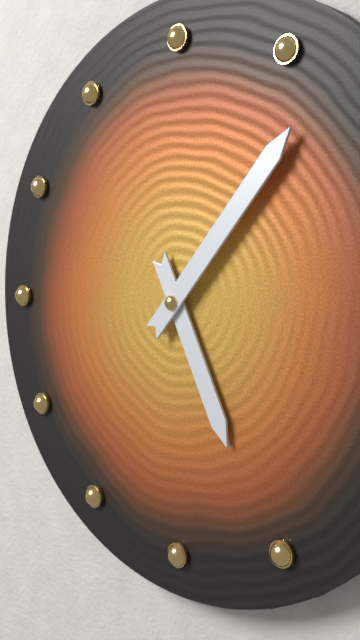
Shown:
h=5 m=7
